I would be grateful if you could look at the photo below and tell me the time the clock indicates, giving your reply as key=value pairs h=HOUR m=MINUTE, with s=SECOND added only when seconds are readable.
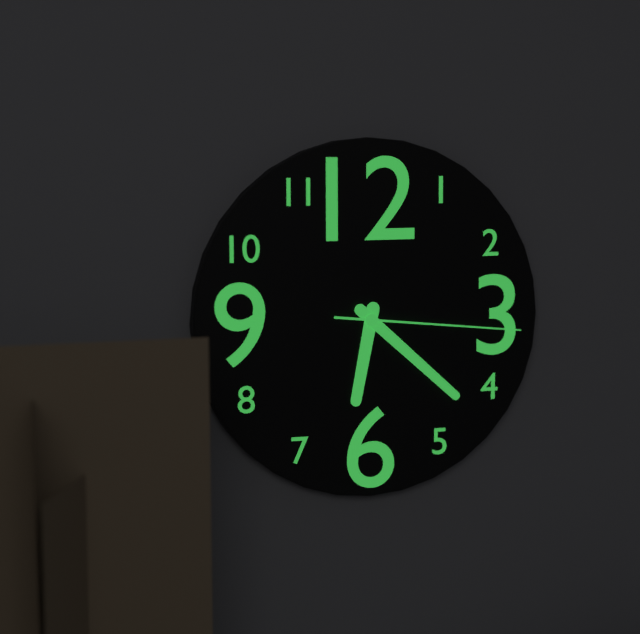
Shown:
h=6 m=22 s=16
